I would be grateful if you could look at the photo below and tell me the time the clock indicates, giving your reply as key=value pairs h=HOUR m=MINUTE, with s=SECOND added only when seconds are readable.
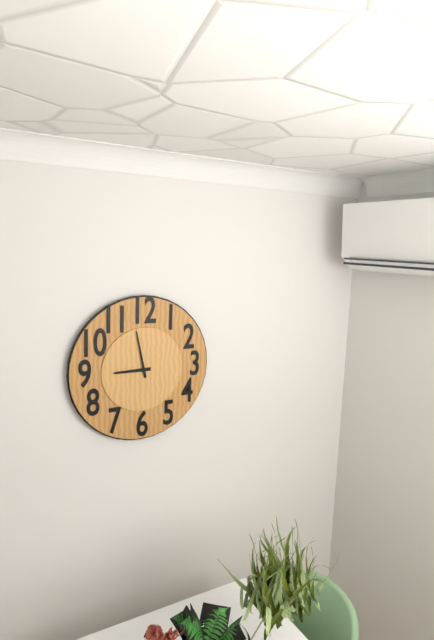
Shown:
h=8 m=58
